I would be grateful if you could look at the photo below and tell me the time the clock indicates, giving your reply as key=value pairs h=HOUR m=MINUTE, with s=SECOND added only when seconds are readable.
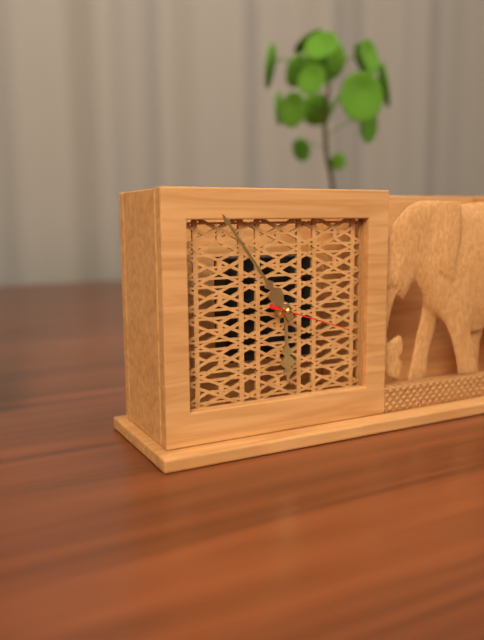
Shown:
h=5 m=54 s=18
